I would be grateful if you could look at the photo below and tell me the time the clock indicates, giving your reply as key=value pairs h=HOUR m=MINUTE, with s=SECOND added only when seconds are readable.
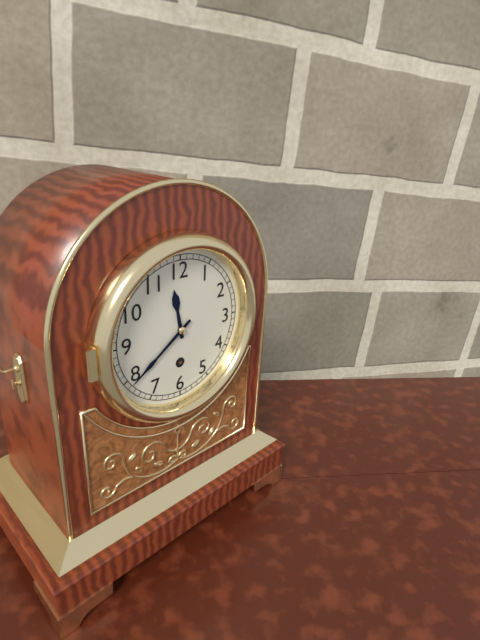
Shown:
h=11 m=39
